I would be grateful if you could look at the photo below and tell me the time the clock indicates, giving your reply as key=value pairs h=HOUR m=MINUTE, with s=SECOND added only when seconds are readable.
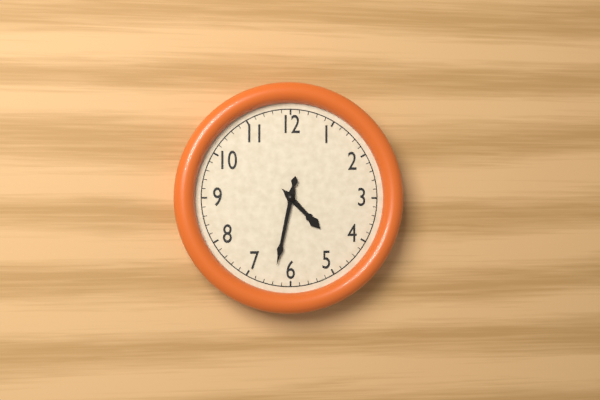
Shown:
h=4 m=32
